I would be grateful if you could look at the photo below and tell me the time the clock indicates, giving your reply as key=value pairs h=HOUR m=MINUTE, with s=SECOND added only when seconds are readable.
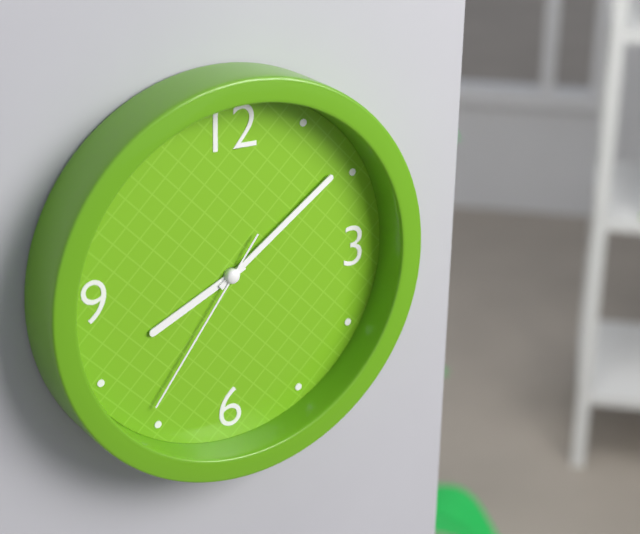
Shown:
h=8 m=9 s=36
